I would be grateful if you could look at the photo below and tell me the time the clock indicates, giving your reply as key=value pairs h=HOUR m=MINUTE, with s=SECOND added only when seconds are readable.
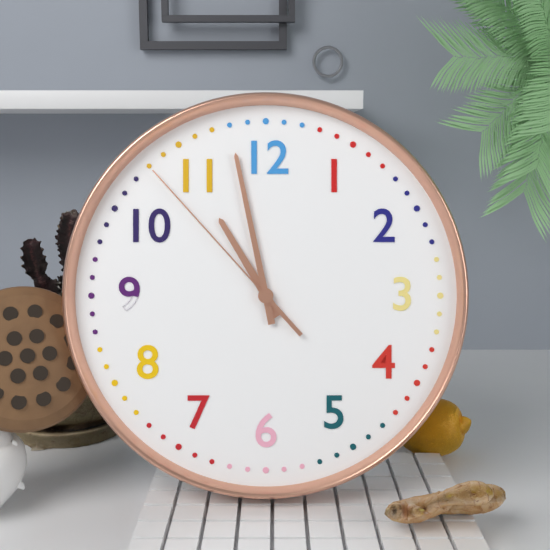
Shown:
h=10 m=58 s=53
